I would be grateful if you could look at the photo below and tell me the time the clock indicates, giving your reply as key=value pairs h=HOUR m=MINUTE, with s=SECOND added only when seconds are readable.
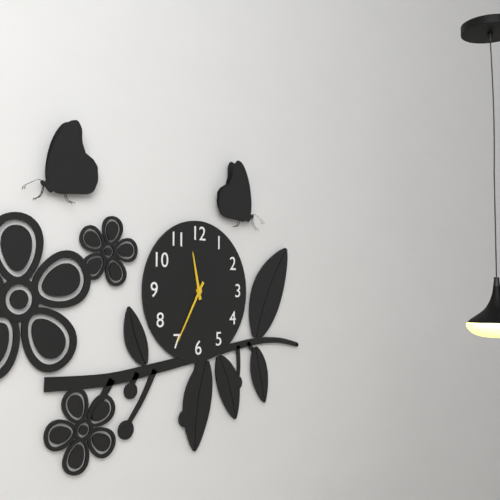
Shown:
h=11 m=35
